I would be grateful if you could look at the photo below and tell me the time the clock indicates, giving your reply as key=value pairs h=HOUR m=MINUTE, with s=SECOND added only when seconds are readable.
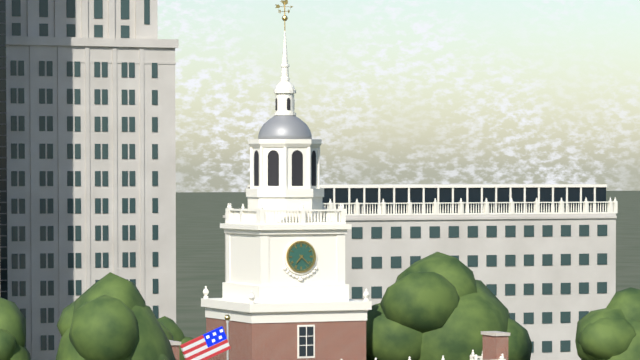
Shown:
h=7 m=22
